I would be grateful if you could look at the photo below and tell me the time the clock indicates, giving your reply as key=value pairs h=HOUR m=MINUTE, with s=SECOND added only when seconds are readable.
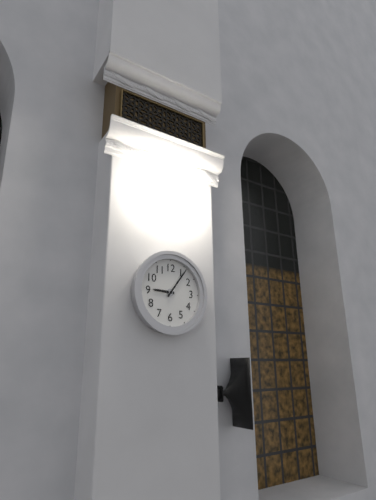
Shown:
h=9 m=6
